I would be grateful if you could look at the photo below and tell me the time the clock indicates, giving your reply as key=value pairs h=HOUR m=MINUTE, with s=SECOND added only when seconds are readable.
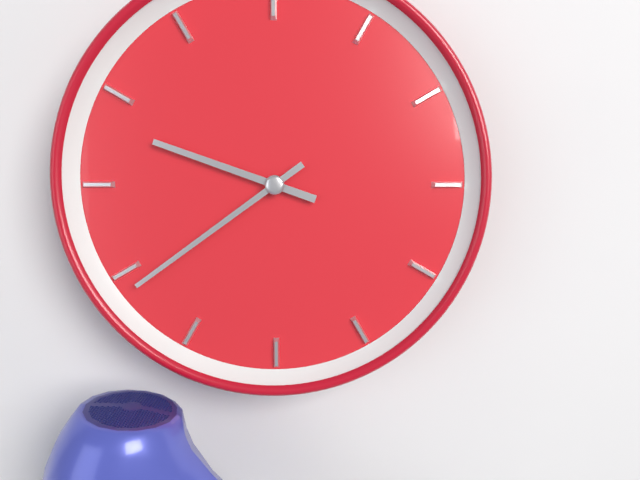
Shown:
h=9 m=39
